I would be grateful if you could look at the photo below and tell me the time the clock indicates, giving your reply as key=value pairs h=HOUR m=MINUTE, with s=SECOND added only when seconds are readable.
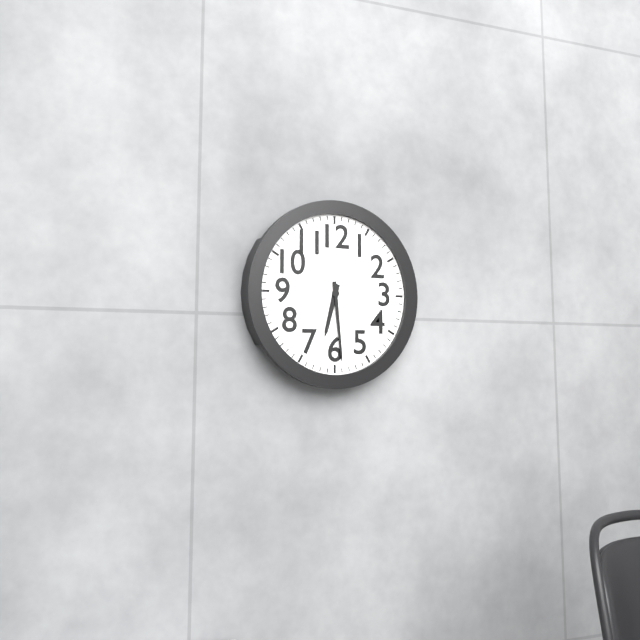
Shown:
h=6 m=29
